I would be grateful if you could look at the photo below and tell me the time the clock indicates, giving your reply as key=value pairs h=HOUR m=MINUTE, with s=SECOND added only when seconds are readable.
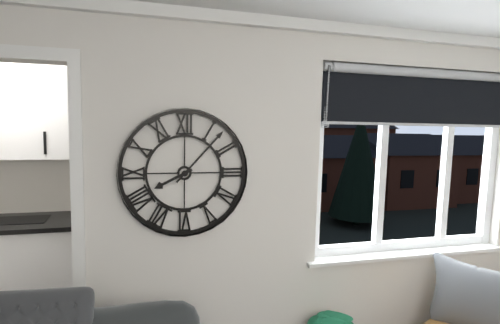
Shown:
h=8 m=7
